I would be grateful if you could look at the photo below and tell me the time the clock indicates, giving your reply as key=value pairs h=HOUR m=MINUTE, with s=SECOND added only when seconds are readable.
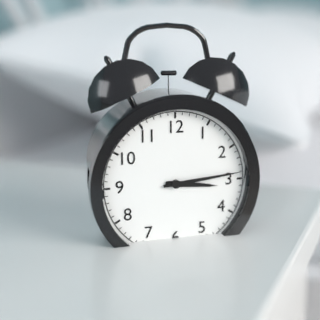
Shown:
h=3 m=14
